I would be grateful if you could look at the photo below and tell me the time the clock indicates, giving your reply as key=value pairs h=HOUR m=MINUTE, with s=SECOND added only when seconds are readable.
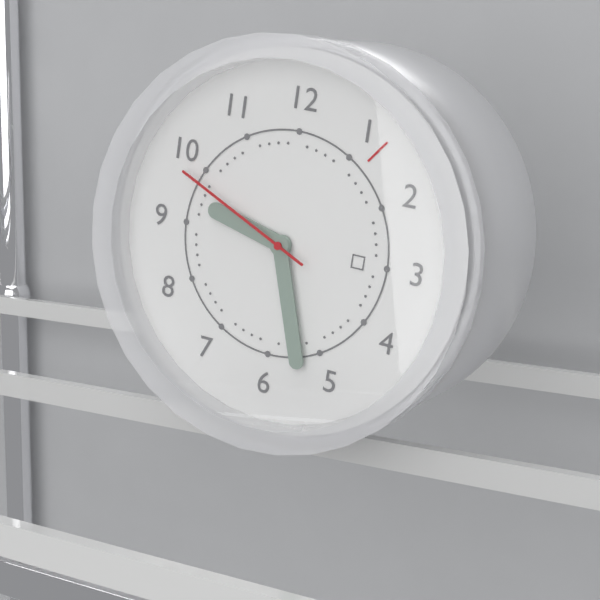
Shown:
h=9 m=27 s=49
